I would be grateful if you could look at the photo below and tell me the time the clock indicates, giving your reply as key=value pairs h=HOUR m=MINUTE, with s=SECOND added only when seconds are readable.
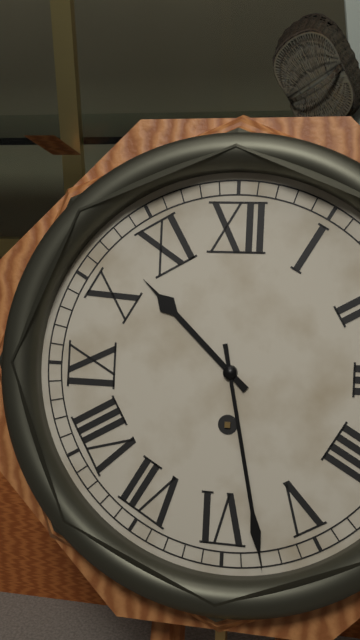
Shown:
h=10 m=28
